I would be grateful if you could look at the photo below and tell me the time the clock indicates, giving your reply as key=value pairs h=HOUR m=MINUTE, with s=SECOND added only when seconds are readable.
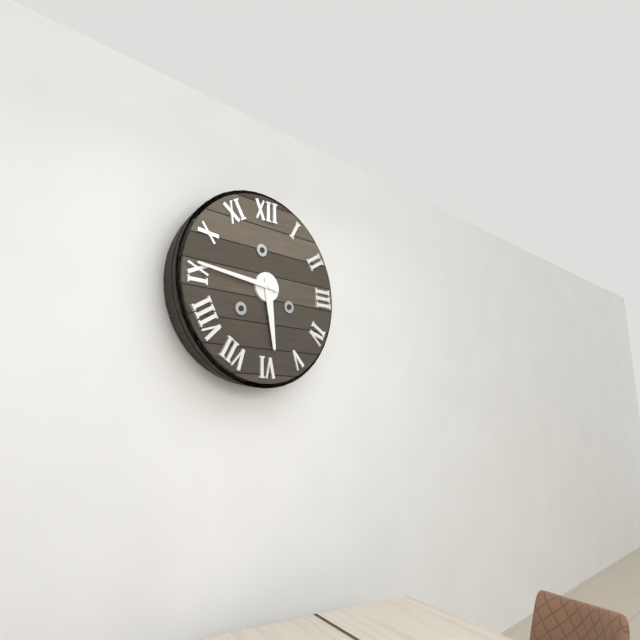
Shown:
h=5 m=46
